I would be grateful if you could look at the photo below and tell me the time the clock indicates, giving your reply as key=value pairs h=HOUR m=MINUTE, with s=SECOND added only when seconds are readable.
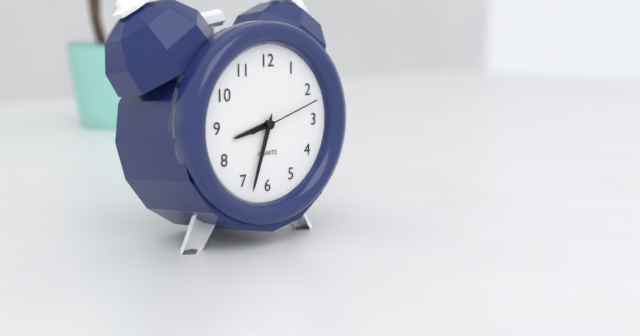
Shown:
h=8 m=33 s=12
